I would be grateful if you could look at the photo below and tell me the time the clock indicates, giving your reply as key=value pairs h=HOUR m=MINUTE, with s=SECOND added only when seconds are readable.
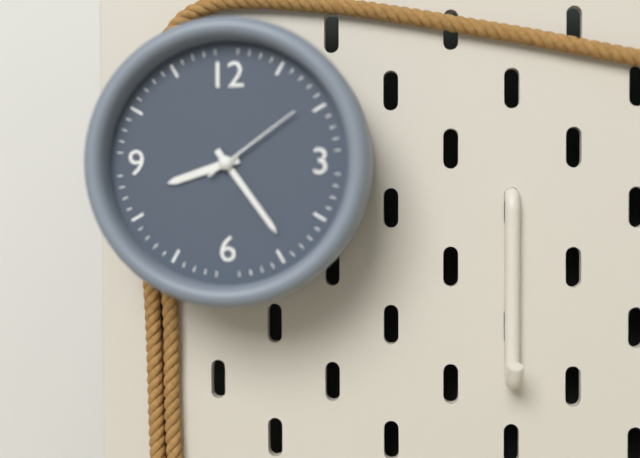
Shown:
h=8 m=24 s=9
